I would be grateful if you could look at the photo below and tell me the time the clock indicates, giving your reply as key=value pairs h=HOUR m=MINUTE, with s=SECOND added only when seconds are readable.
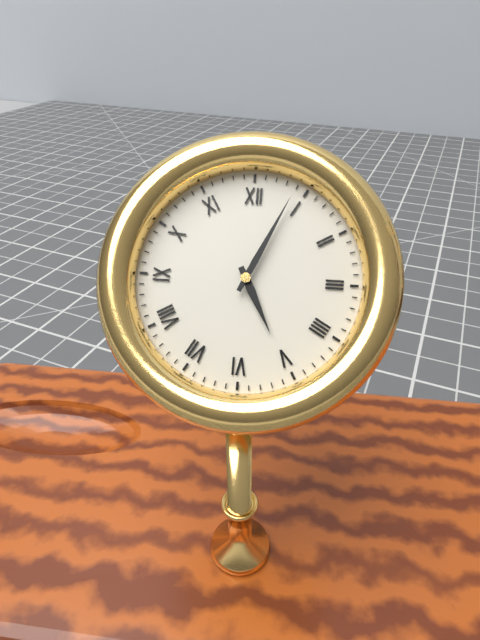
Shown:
h=5 m=4
